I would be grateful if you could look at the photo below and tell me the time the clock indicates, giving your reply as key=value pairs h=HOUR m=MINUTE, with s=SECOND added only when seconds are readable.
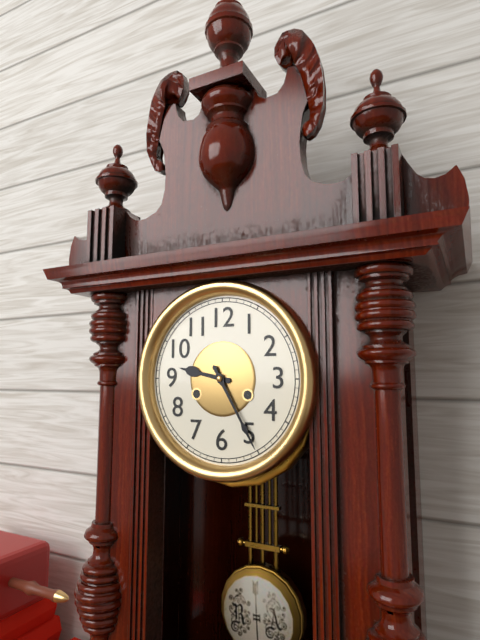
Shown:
h=9 m=25
